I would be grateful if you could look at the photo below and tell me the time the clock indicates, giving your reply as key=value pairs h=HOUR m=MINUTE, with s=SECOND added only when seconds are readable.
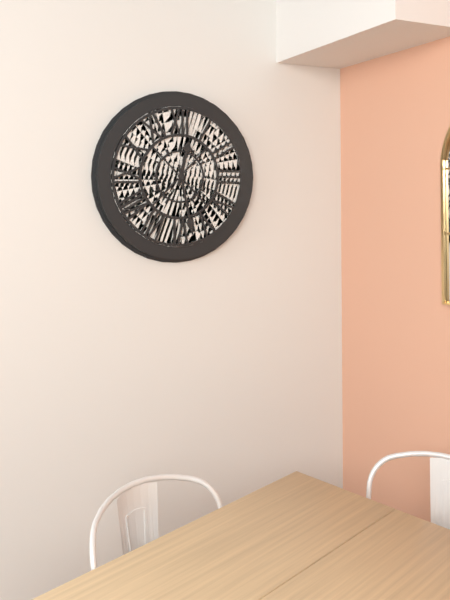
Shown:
h=12 m=28
